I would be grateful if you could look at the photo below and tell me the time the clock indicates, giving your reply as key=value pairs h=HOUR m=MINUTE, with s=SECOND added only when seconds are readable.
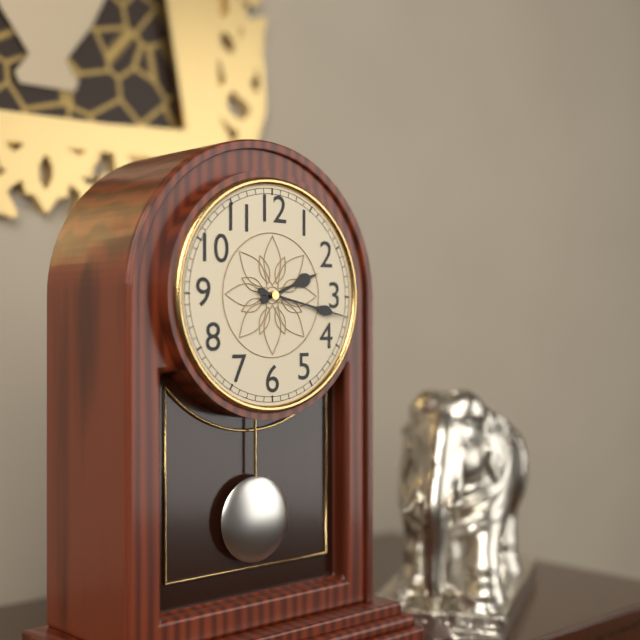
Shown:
h=2 m=17
